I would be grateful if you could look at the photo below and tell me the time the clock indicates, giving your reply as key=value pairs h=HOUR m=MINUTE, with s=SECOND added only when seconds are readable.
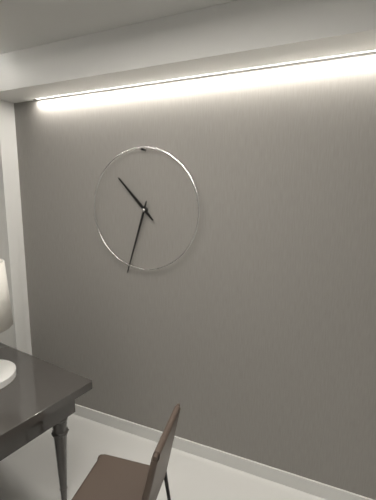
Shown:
h=10 m=33
